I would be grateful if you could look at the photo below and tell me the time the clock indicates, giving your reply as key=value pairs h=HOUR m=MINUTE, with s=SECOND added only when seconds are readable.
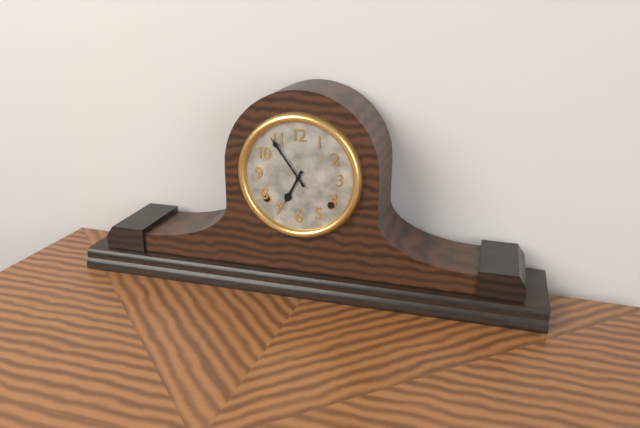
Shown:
h=6 m=54
